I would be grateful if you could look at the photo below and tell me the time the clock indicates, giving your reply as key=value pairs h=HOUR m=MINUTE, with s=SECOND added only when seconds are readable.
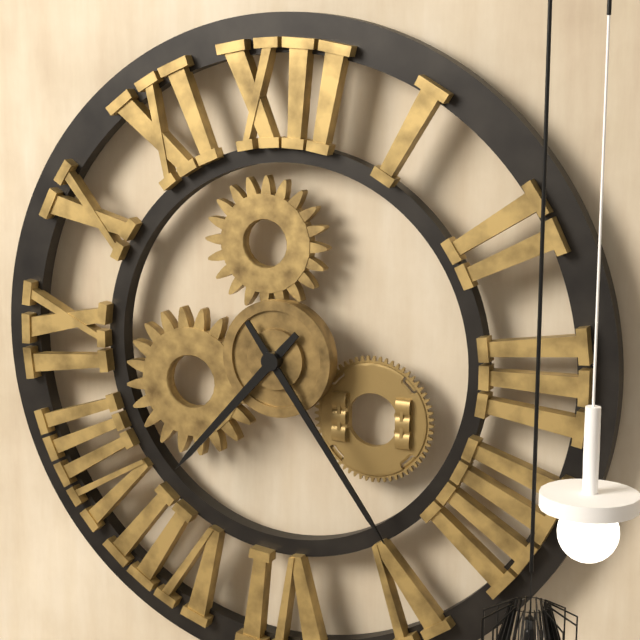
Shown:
h=7 m=24
